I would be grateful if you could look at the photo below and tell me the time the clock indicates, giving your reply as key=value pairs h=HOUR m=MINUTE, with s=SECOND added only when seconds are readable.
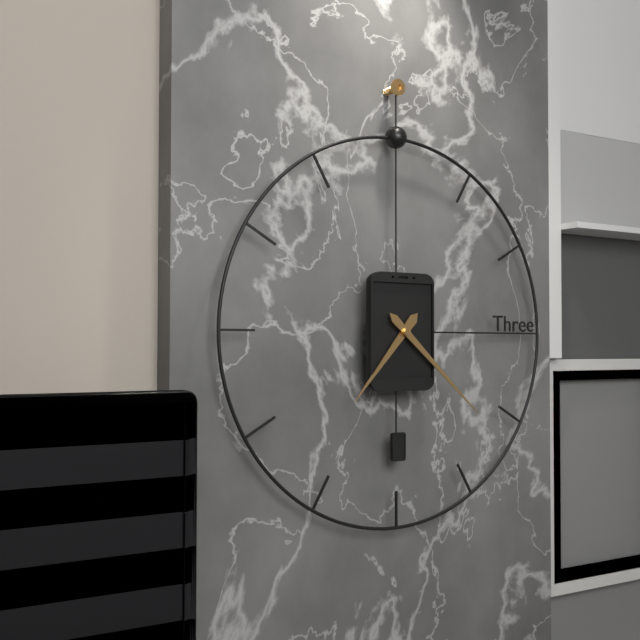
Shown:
h=7 m=22
